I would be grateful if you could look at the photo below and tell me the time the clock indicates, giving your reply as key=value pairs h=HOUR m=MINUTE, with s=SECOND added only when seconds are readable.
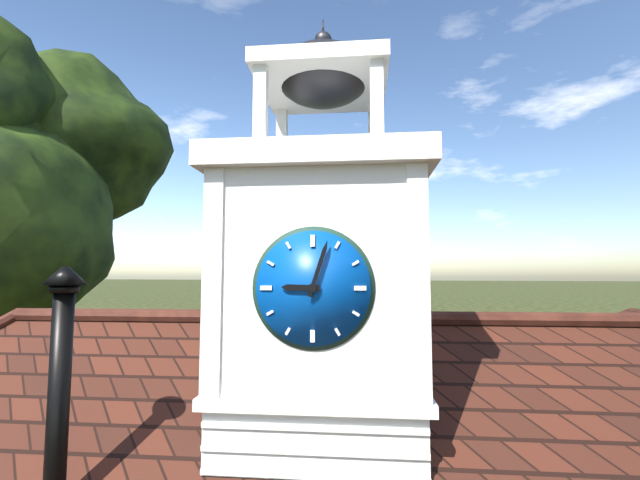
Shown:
h=9 m=3
